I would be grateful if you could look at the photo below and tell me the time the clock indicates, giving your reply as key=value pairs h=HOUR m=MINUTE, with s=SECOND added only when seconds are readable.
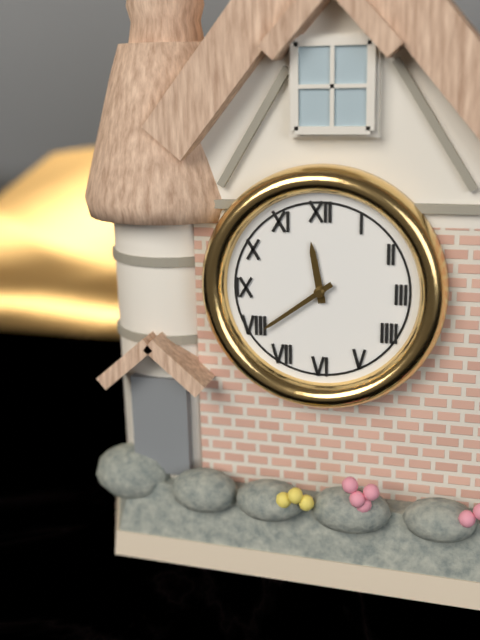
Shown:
h=11 m=39
